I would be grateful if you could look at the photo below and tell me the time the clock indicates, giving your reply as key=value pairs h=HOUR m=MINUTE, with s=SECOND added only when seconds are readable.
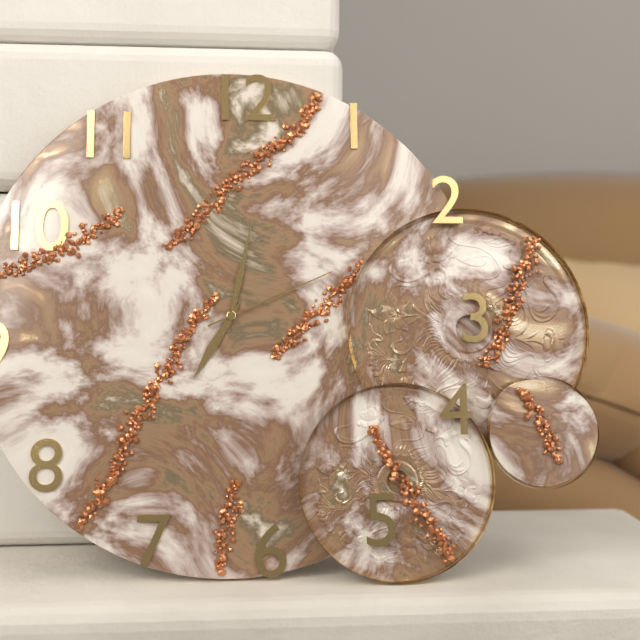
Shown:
h=7 m=2 s=11
